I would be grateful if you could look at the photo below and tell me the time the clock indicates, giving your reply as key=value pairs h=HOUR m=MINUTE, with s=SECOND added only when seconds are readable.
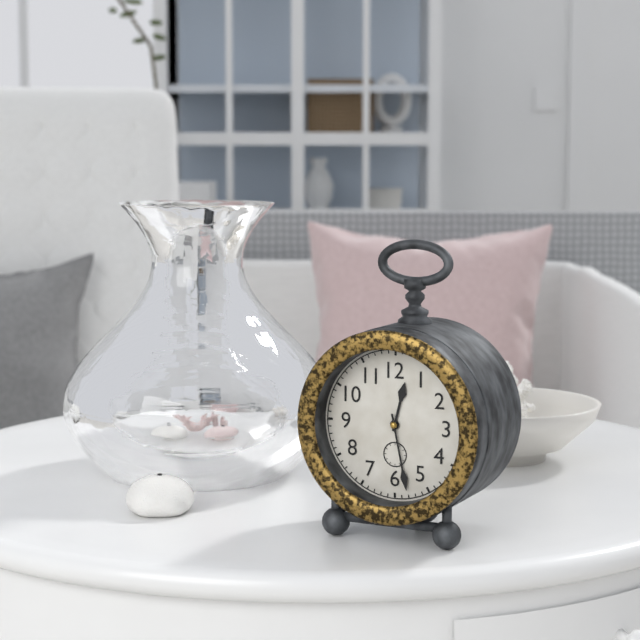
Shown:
h=12 m=28
